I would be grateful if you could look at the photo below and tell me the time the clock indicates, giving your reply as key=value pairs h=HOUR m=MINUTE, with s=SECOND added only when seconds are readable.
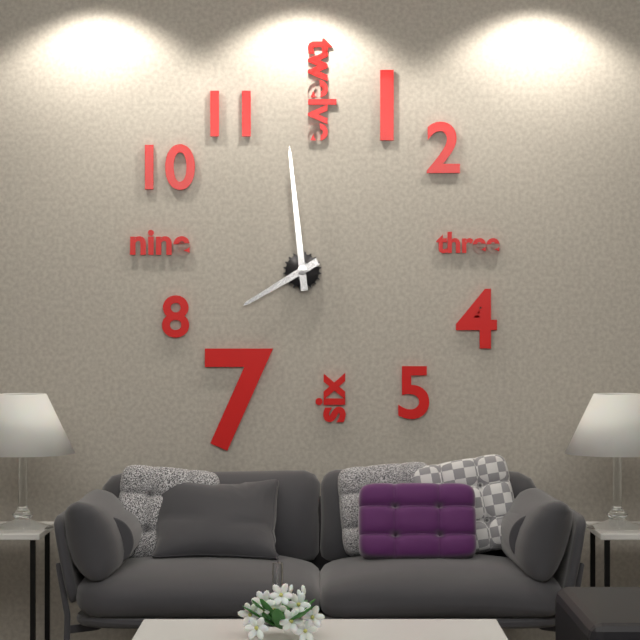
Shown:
h=7 m=59
